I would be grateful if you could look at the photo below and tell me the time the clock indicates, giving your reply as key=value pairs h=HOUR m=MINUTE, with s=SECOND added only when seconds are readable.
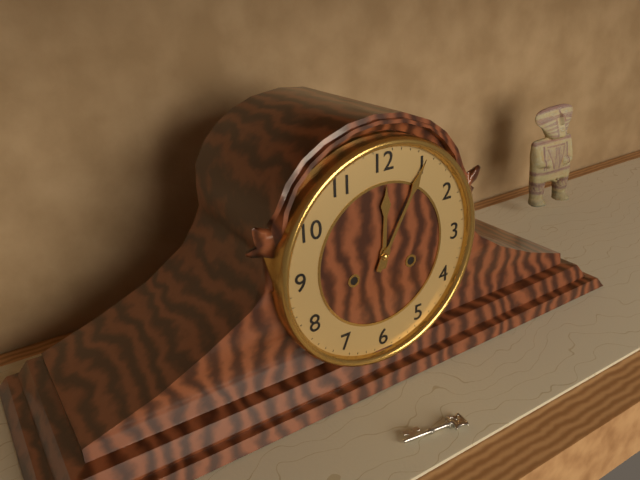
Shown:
h=12 m=5
